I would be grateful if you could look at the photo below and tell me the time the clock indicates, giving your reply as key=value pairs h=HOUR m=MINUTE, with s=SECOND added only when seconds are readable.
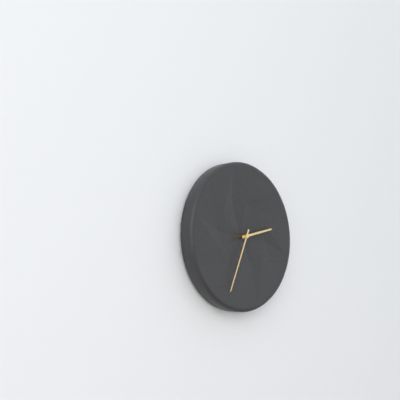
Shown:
h=2 m=34
